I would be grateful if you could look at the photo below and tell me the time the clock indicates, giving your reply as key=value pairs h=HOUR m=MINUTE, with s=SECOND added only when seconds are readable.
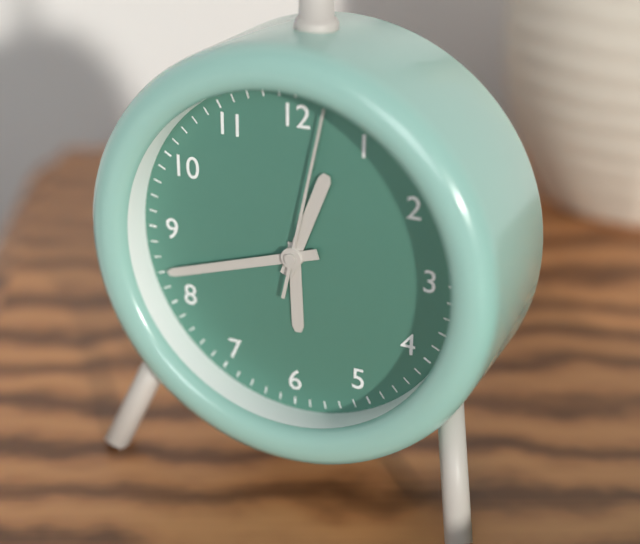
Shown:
h=12 m=42 s=2
